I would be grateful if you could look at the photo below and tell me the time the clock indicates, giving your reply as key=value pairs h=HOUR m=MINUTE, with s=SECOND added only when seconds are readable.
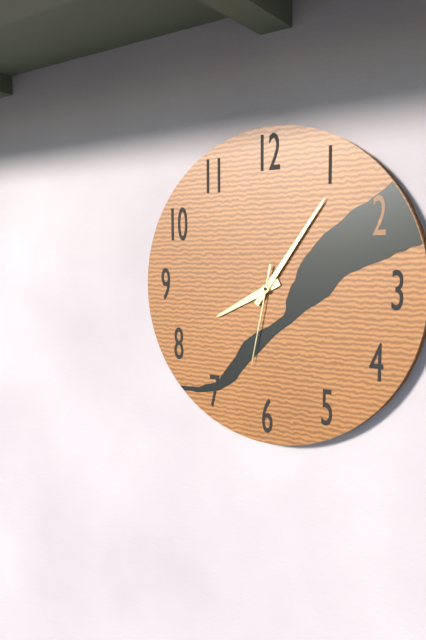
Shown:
h=8 m=6 s=32
